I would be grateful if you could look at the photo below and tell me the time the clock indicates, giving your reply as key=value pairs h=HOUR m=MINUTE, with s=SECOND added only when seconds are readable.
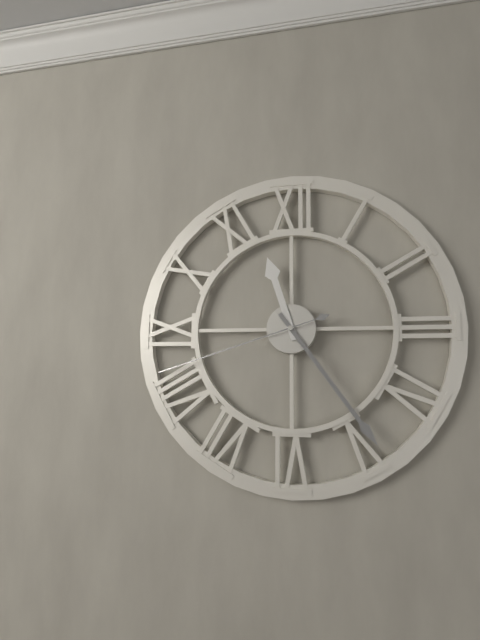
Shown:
h=11 m=24 s=42
